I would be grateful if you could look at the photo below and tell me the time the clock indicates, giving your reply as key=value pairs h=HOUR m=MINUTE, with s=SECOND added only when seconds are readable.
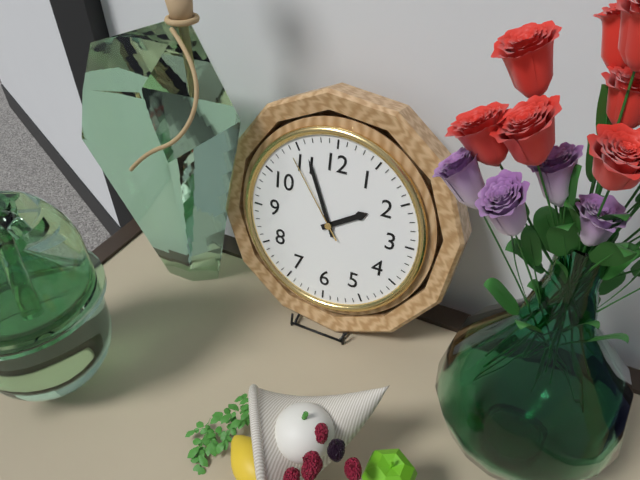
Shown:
h=1 m=56 s=54
